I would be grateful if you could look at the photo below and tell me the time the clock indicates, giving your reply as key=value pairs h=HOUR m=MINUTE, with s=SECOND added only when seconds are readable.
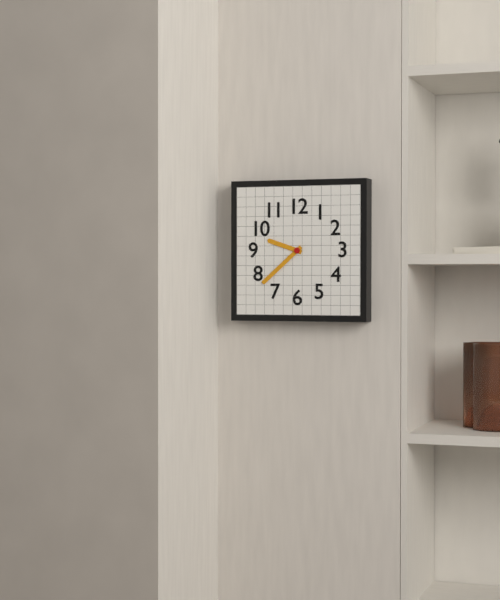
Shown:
h=9 m=38
